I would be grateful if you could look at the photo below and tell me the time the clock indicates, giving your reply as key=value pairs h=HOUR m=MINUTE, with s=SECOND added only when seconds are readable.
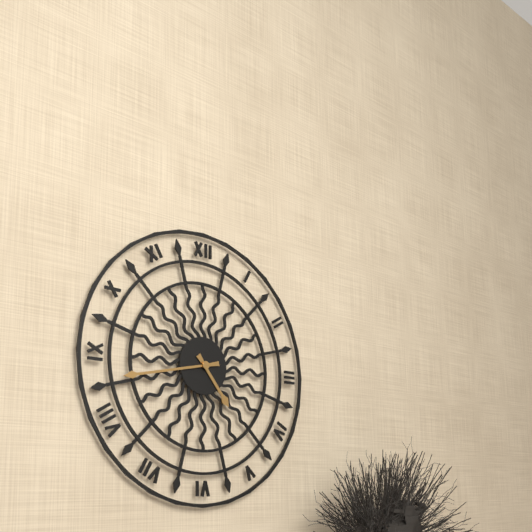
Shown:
h=4 m=43
